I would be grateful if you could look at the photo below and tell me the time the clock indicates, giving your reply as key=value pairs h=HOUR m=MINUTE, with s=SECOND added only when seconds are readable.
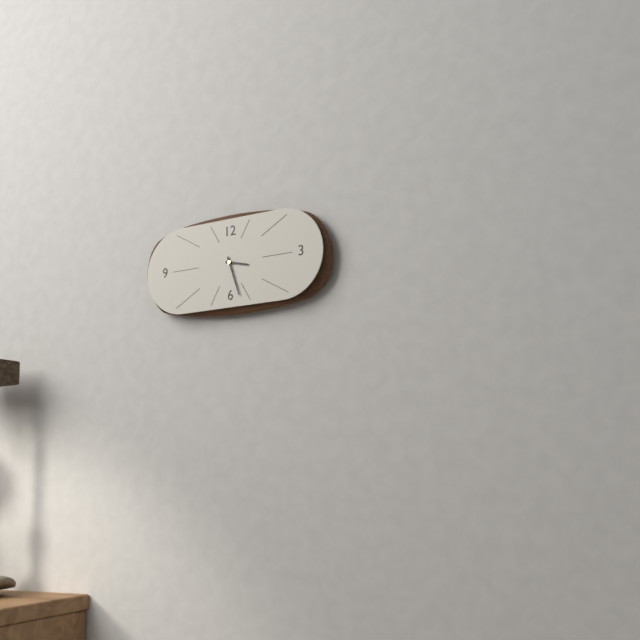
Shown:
h=3 m=27
